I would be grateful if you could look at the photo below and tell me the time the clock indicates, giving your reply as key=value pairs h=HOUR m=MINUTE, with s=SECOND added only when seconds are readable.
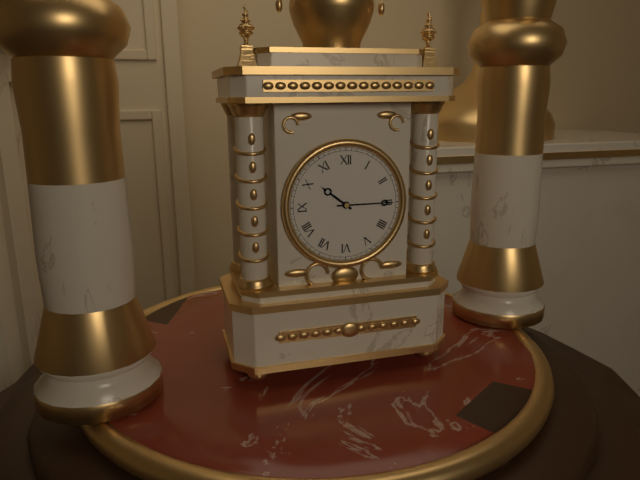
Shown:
h=10 m=15
